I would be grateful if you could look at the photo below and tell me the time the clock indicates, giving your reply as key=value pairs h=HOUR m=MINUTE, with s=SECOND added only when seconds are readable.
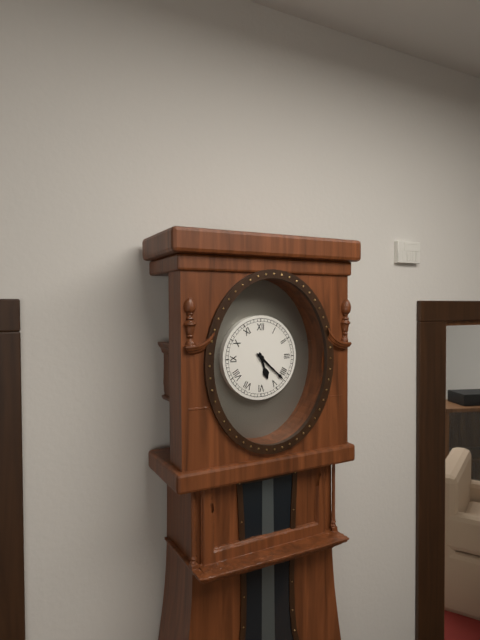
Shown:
h=5 m=22
